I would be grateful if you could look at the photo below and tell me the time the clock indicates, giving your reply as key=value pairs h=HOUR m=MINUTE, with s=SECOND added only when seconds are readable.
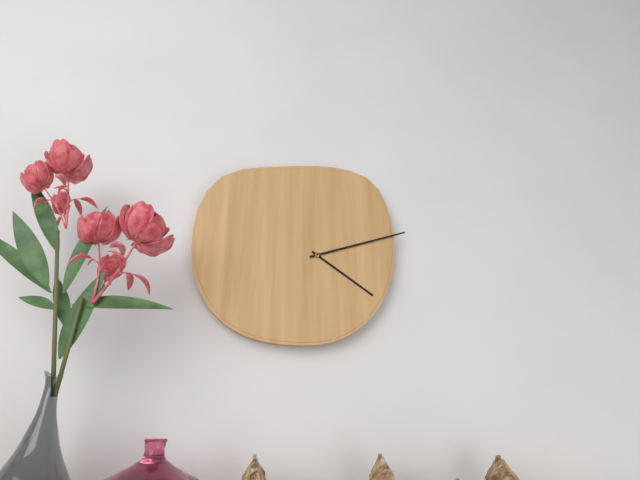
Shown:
h=4 m=12
